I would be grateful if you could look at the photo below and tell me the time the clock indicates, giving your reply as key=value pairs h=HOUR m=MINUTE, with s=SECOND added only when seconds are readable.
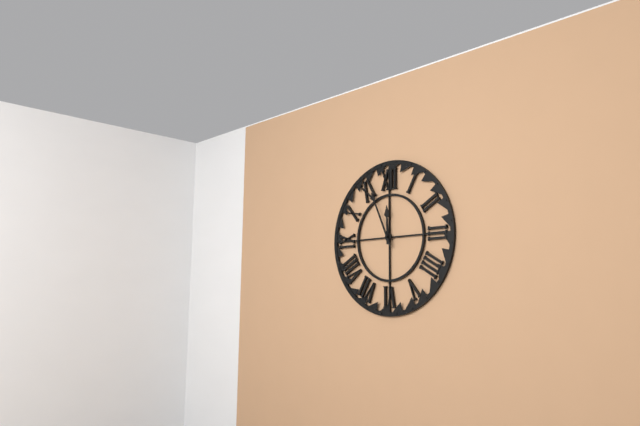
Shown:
h=11 m=56
